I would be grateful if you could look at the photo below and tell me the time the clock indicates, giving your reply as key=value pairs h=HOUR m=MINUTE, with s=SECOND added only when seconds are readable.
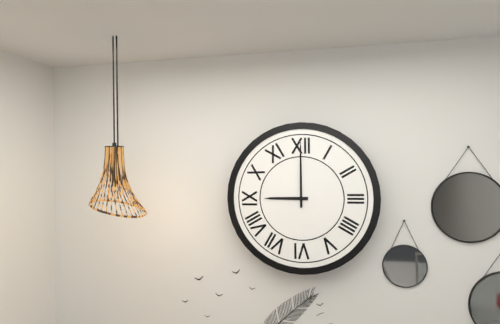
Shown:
h=9 m=0
